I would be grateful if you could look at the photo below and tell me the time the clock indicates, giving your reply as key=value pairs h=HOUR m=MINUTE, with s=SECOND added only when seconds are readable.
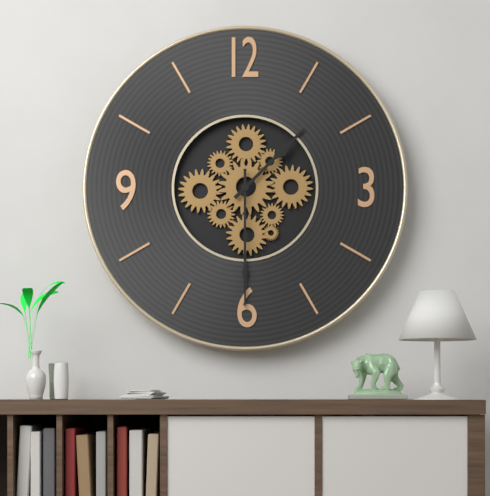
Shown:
h=1 m=30
